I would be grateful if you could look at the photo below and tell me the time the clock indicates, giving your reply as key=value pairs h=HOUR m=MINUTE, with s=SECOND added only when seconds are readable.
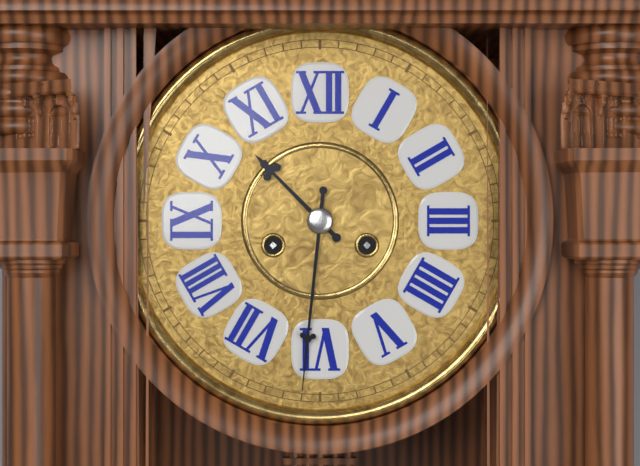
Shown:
h=10 m=31
